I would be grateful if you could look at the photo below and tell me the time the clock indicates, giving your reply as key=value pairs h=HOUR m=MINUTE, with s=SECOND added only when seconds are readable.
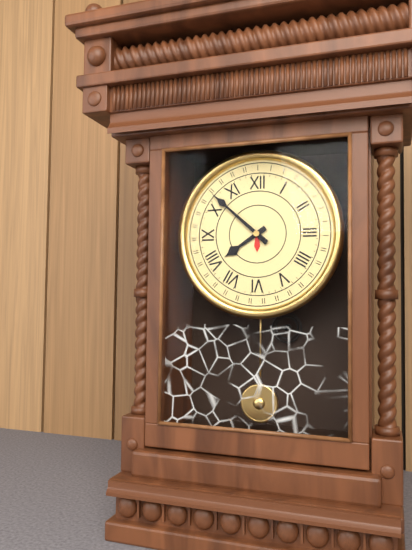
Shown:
h=7 m=52
